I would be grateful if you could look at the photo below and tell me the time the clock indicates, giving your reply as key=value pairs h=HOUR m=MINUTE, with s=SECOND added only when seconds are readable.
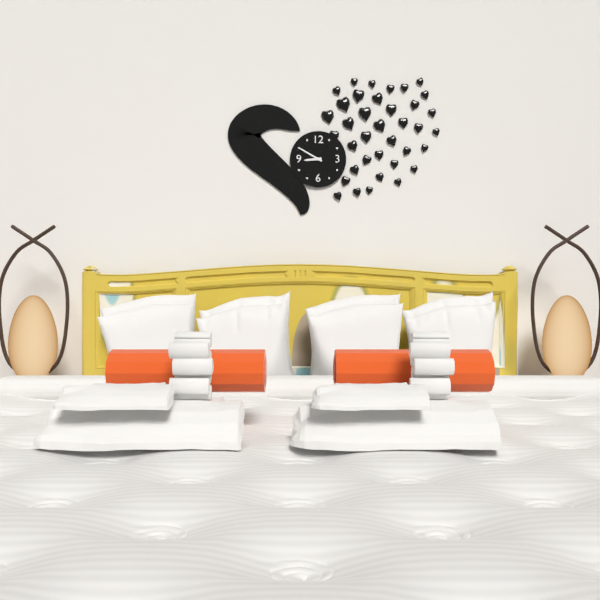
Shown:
h=8 m=50
